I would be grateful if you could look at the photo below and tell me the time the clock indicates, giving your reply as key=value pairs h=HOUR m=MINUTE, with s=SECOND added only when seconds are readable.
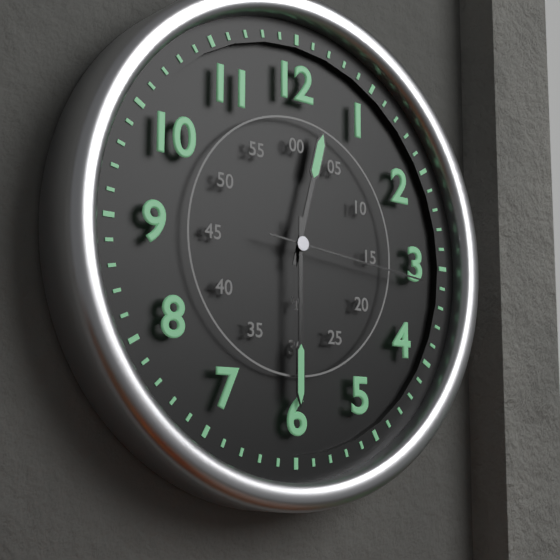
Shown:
h=12 m=30 s=16
